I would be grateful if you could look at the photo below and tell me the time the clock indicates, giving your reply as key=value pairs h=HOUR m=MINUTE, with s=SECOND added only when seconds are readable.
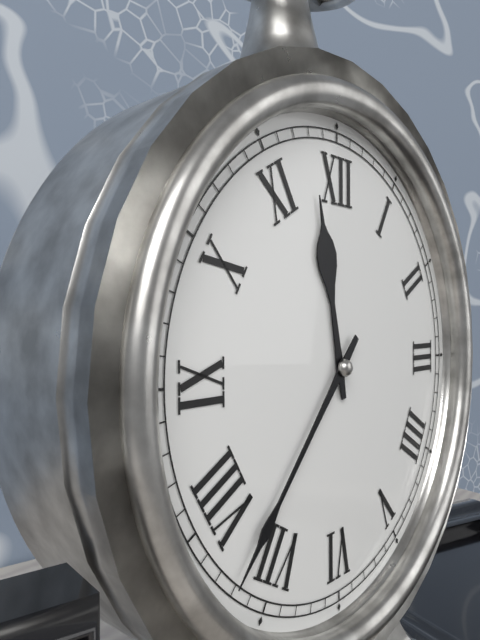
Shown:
h=11 m=37
